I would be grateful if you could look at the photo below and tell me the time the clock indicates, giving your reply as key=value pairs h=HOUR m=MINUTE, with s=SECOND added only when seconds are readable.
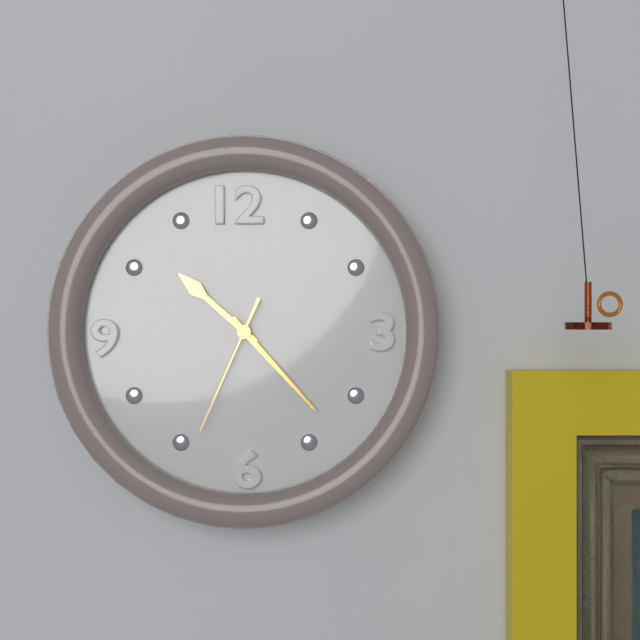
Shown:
h=10 m=23 s=34
